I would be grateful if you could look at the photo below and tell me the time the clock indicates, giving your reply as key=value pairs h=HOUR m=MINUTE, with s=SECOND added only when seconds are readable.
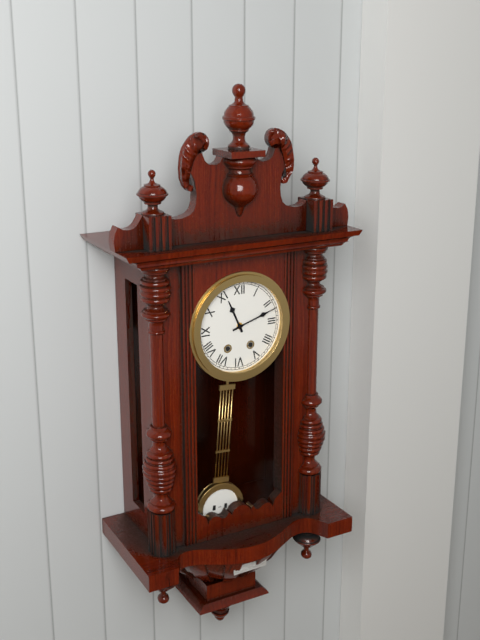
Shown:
h=11 m=12
